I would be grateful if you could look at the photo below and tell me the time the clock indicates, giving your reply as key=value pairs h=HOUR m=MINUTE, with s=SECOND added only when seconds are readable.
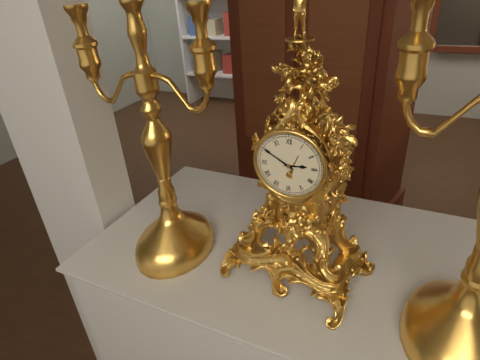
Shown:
h=2 m=50
